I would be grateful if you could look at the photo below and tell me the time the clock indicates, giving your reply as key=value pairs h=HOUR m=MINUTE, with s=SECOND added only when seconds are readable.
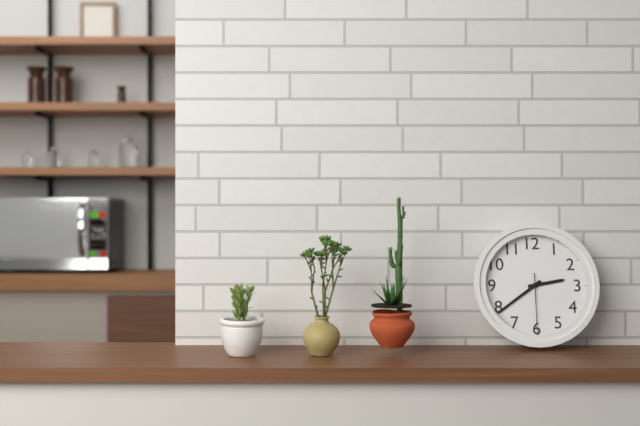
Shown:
h=2 m=39 s=30
